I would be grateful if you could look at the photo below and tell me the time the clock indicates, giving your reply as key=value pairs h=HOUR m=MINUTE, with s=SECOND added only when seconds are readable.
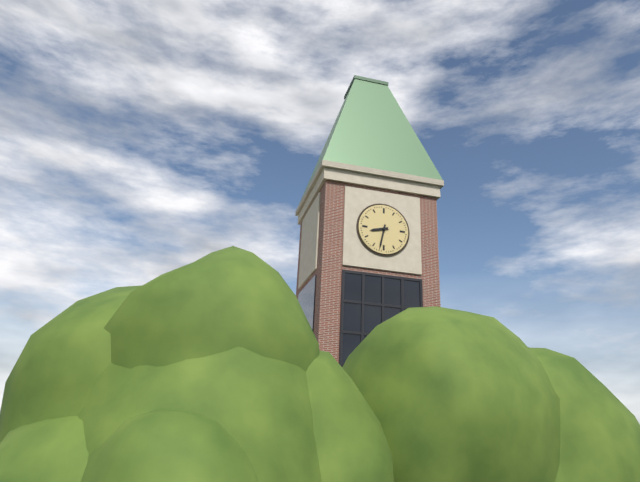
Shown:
h=8 m=32
